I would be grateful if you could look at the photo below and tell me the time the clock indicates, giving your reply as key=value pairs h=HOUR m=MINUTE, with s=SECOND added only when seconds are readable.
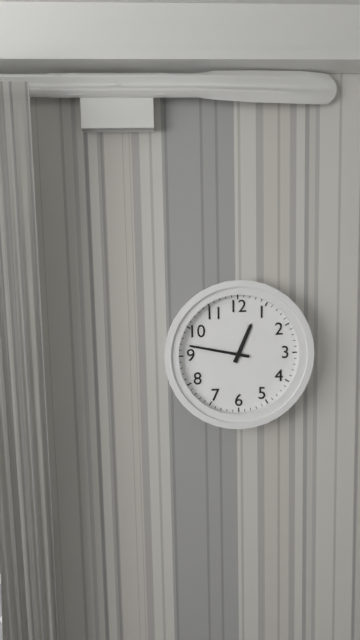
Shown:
h=12 m=47
